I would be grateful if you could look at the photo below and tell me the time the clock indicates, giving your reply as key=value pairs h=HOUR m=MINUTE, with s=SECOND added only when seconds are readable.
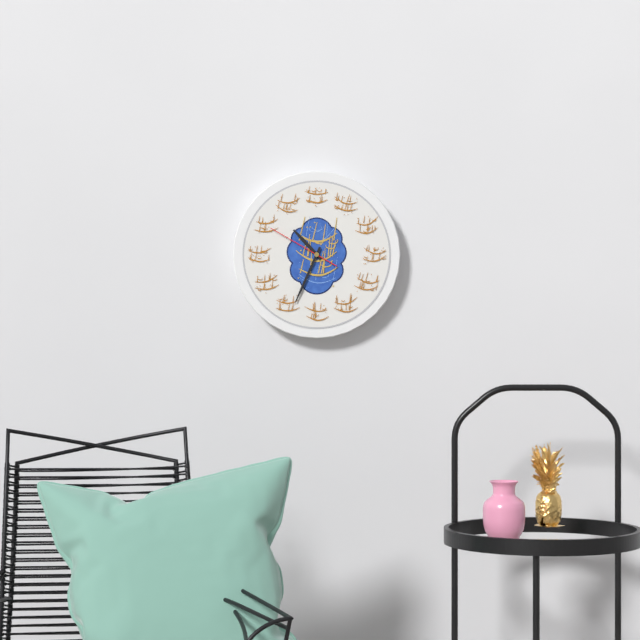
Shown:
h=10 m=34 s=50
